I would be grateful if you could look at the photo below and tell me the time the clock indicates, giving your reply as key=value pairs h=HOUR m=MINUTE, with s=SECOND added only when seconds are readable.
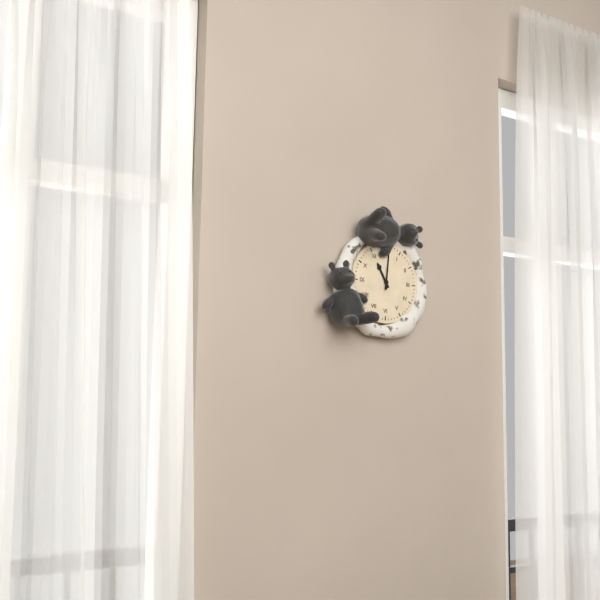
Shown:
h=11 m=1
